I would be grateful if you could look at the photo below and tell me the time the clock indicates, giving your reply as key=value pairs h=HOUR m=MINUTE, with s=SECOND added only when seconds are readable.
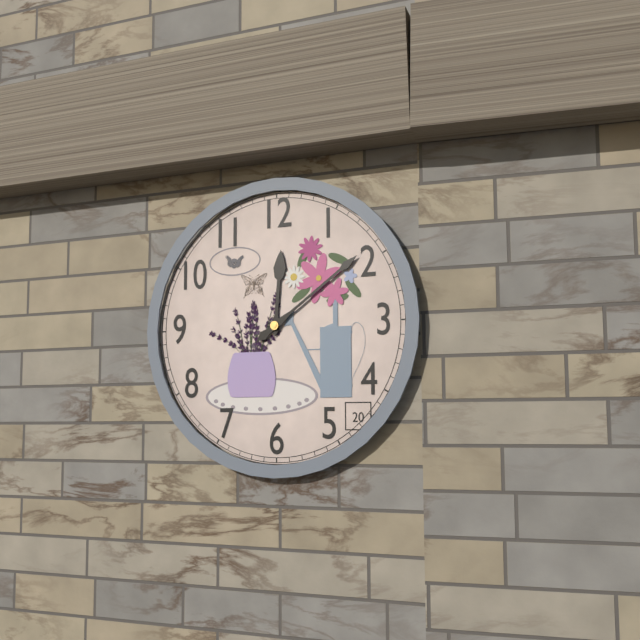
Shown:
h=12 m=9
